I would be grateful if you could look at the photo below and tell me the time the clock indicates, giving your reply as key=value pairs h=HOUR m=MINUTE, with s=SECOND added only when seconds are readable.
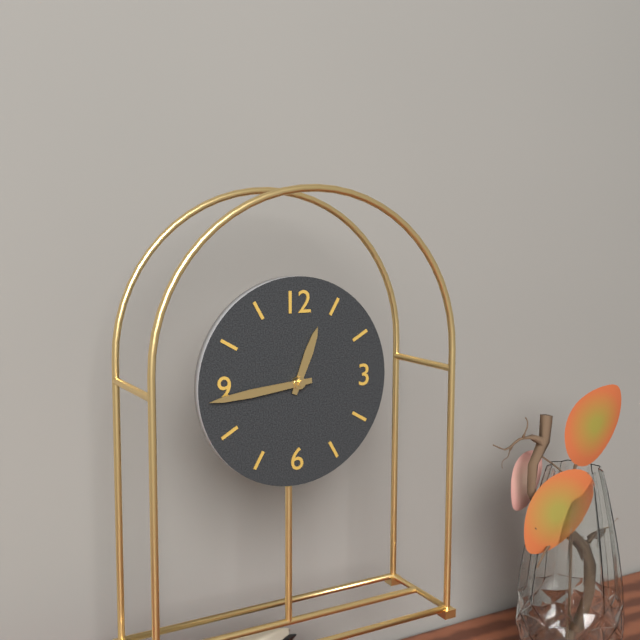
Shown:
h=12 m=44
